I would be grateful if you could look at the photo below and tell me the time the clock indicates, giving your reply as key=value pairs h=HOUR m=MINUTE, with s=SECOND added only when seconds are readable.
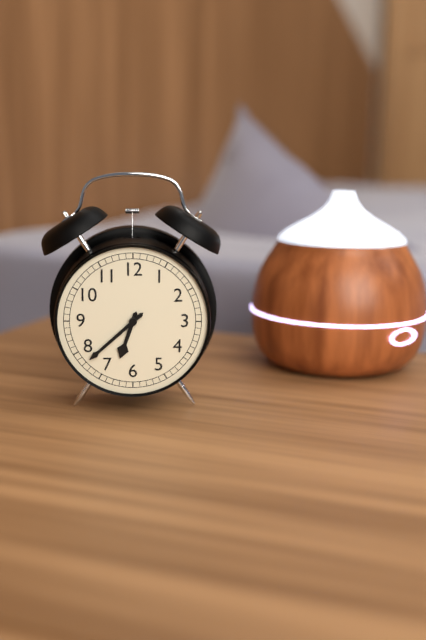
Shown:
h=6 m=38
